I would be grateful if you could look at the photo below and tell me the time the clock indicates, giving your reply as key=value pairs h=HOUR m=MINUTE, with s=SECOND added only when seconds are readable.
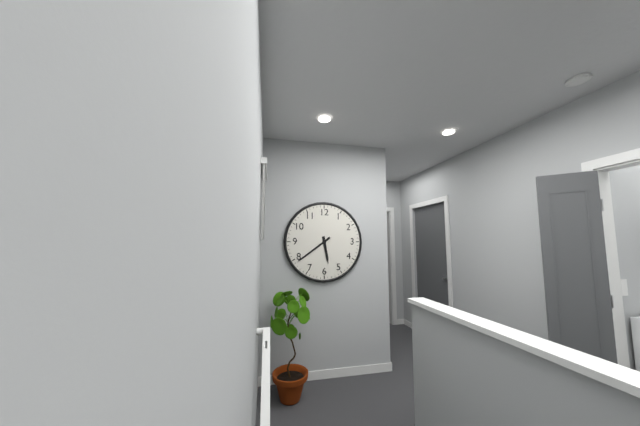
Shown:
h=5 m=39
